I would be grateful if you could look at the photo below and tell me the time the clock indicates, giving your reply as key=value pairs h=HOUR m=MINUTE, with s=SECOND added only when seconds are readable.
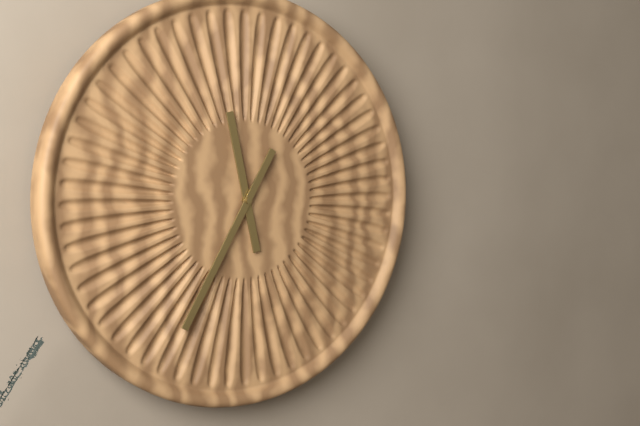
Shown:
h=11 m=35
